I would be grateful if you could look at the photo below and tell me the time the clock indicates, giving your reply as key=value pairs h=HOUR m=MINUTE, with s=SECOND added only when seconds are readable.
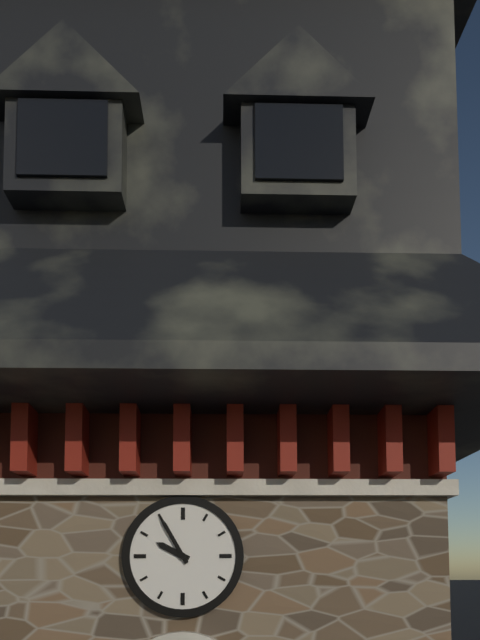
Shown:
h=9 m=55
